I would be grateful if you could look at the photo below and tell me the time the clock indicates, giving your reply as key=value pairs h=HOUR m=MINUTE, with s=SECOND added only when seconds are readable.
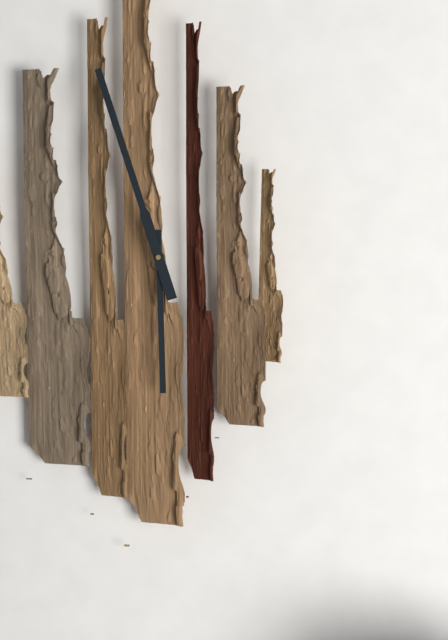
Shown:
h=5 m=57
